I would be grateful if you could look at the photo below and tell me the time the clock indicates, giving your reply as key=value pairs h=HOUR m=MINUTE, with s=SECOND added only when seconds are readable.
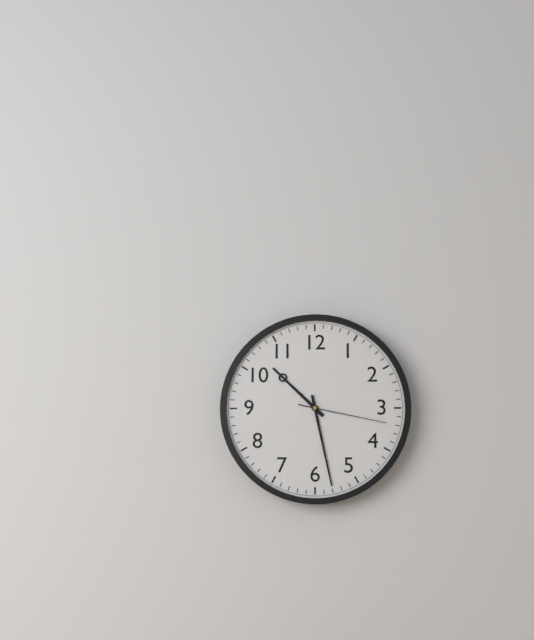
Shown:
h=10 m=28 s=17
